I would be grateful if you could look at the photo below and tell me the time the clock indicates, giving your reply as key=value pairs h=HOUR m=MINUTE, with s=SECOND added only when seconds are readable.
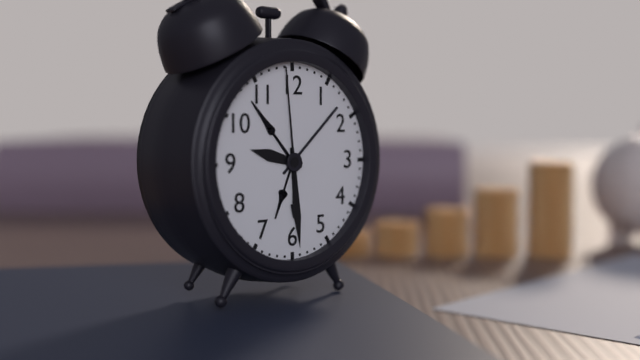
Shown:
h=9 m=29 s=59
